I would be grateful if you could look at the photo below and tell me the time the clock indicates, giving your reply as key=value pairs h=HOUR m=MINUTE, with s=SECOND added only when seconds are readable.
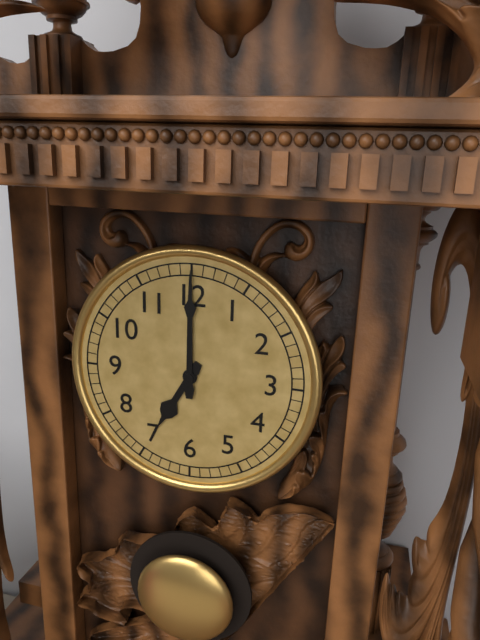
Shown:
h=7 m=0
